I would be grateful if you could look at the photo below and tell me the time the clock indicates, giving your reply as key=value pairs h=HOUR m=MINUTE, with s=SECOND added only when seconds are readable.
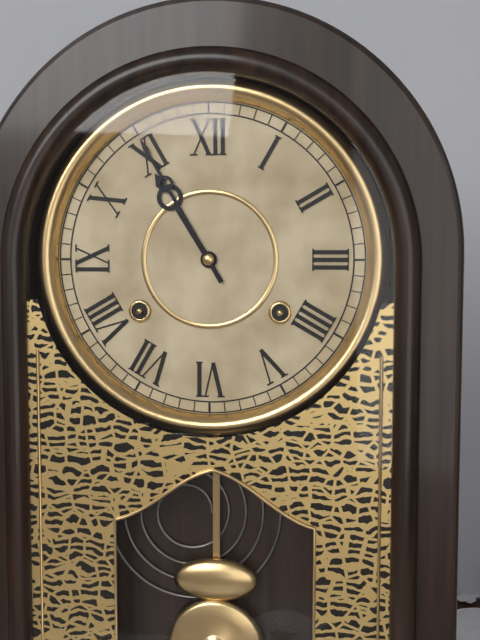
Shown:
h=10 m=55
